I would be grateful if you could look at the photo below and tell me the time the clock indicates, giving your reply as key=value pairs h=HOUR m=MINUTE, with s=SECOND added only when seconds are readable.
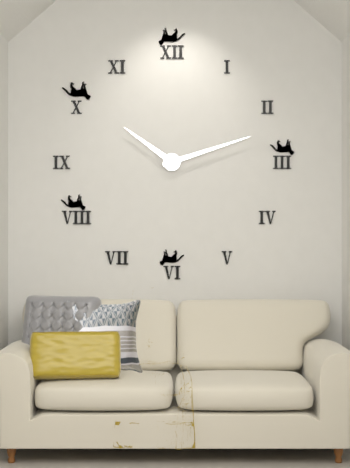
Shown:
h=10 m=12
